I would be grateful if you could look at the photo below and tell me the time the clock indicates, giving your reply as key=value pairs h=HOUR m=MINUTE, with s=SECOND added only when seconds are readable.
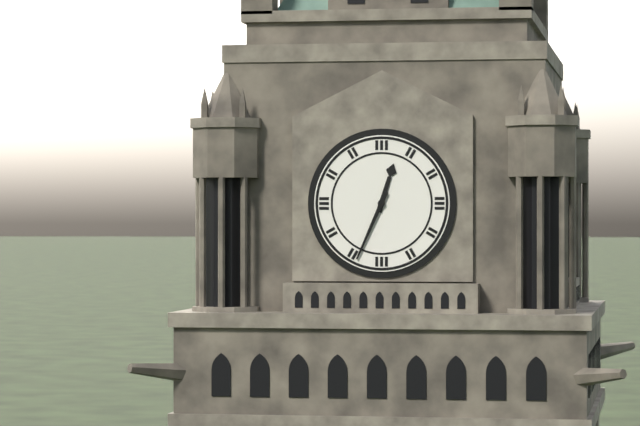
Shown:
h=12 m=34
